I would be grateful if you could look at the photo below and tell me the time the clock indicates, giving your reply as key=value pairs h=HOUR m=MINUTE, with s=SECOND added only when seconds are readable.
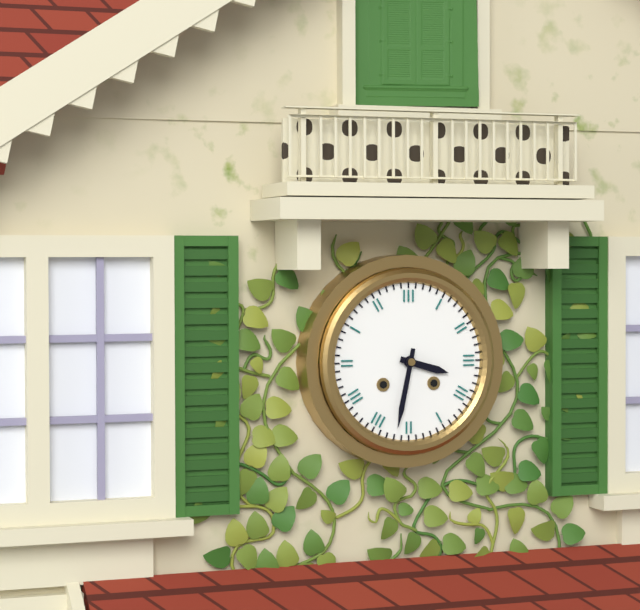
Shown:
h=3 m=32
